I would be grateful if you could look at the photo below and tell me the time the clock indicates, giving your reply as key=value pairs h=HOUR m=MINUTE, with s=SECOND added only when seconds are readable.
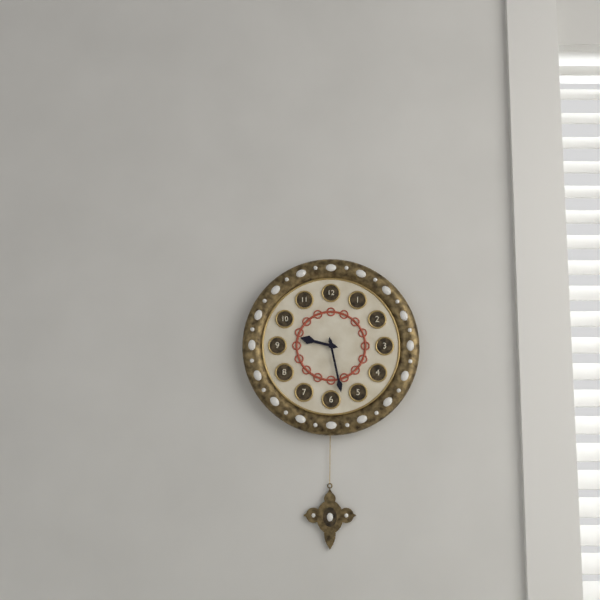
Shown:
h=9 m=28
